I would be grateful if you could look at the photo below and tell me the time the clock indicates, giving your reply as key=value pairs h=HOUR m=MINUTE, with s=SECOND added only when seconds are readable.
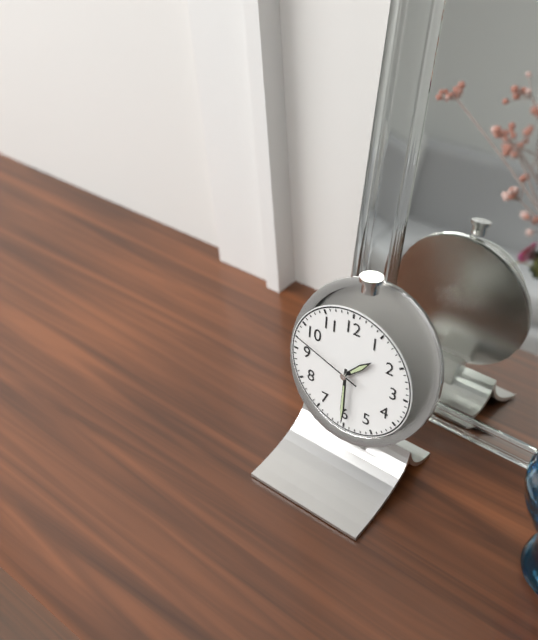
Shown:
h=1 m=30 s=48
